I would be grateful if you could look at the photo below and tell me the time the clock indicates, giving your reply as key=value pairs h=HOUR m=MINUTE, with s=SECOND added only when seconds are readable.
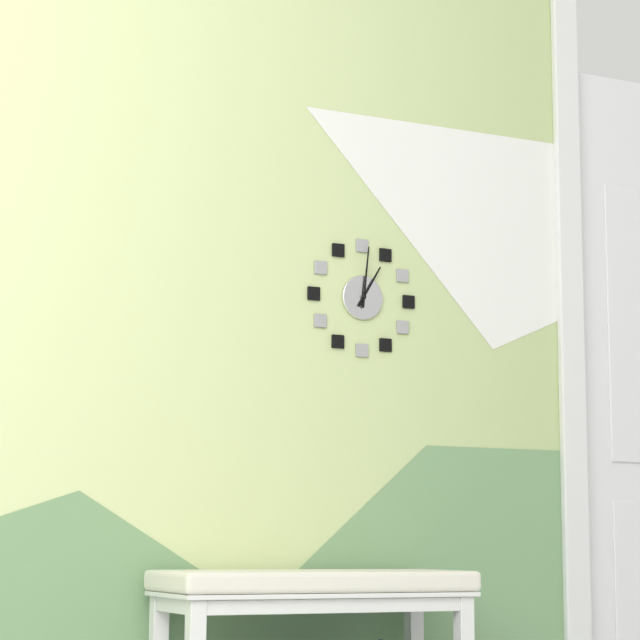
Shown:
h=1 m=1
